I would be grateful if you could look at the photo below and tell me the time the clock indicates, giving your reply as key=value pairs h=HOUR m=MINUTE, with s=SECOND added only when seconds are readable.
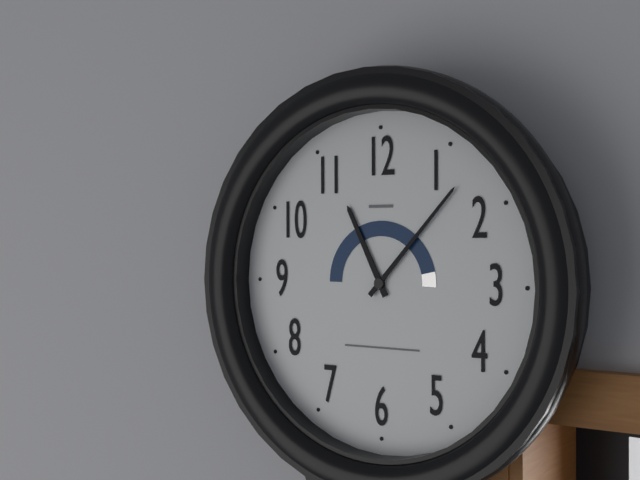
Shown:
h=11 m=7
